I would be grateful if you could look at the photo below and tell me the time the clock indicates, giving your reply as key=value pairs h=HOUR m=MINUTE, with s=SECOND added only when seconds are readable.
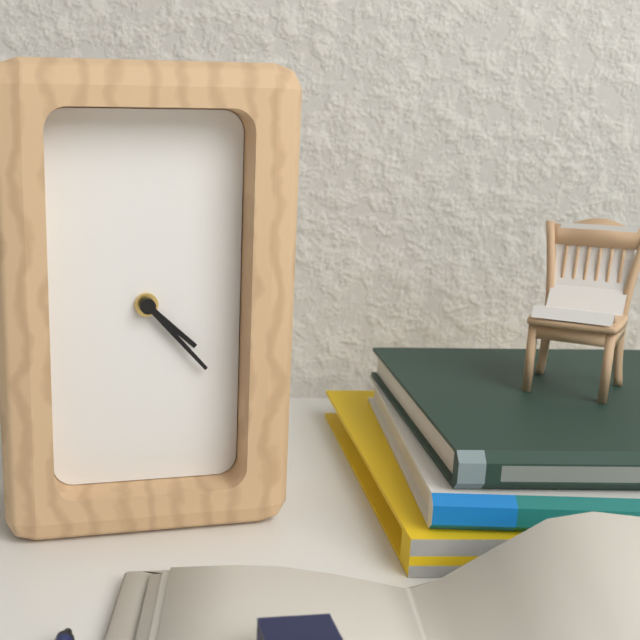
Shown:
h=4 m=23
